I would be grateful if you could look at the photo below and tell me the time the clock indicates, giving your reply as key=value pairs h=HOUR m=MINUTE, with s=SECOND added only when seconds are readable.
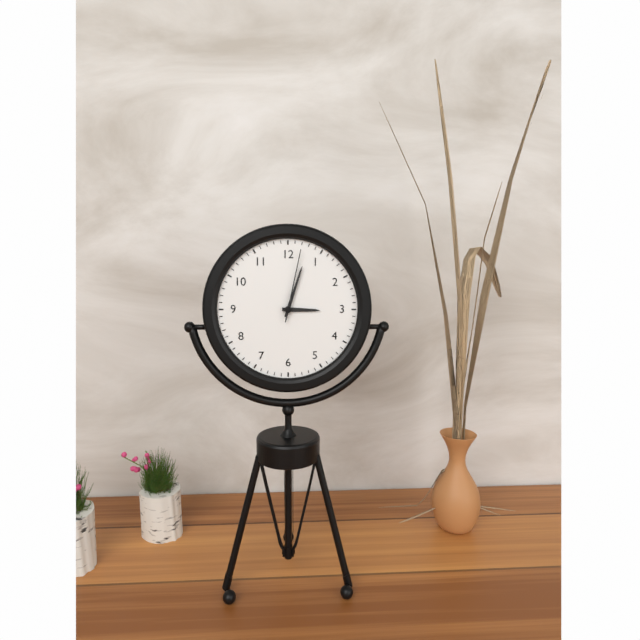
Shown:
h=3 m=3 s=2
